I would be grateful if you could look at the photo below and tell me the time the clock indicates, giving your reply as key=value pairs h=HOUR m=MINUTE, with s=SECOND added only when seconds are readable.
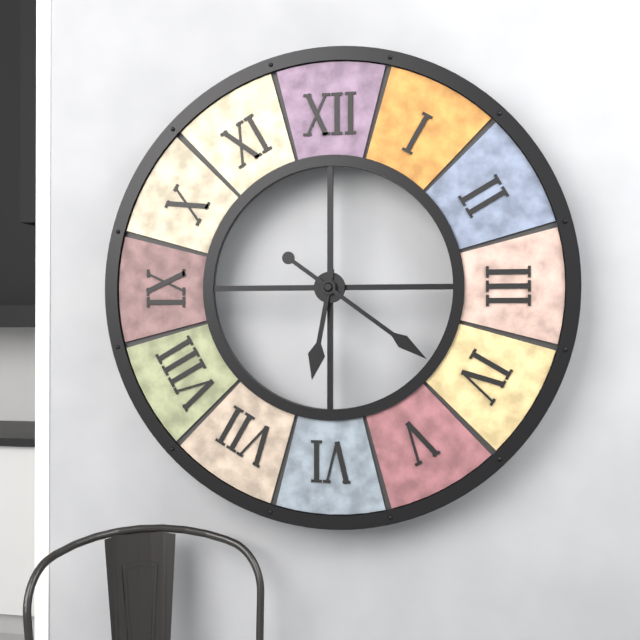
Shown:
h=6 m=21
